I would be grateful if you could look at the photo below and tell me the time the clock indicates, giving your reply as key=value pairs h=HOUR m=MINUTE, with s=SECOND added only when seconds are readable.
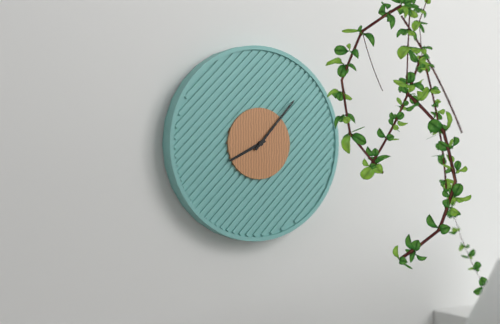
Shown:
h=8 m=7
